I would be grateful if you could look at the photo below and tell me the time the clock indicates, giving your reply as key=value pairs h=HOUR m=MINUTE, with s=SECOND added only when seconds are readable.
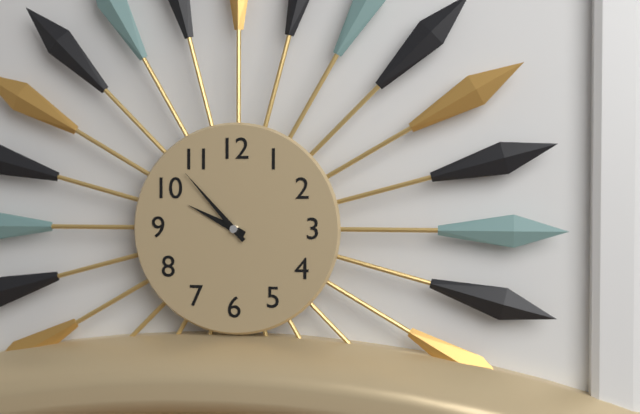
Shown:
h=9 m=53
